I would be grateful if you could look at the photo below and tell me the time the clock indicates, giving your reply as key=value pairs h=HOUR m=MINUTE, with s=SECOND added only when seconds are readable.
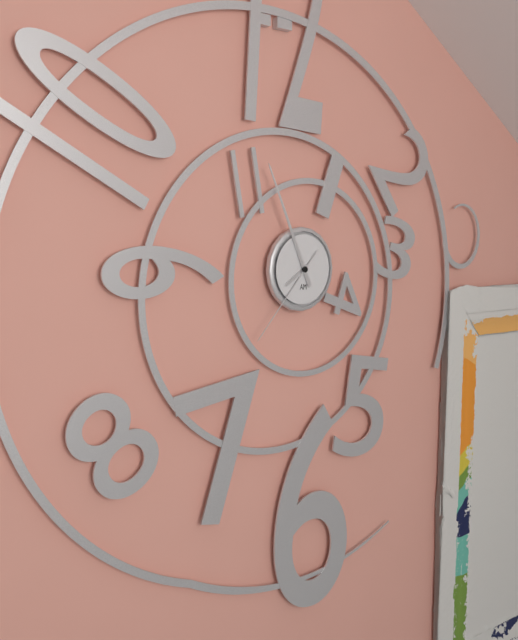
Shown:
h=7 m=56 s=37
